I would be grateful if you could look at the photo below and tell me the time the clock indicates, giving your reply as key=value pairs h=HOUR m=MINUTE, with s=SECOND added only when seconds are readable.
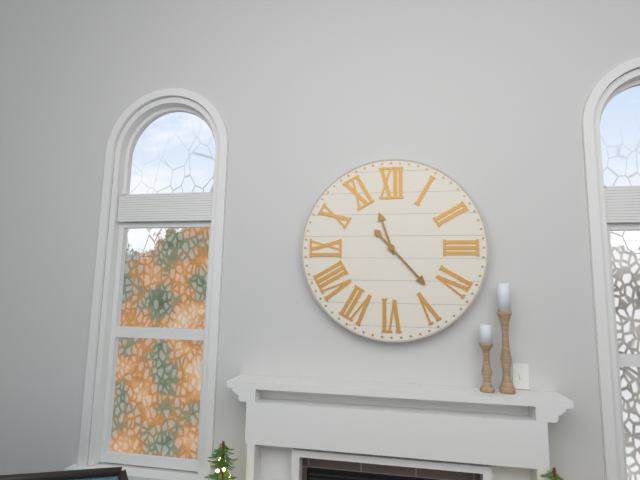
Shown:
h=11 m=23
